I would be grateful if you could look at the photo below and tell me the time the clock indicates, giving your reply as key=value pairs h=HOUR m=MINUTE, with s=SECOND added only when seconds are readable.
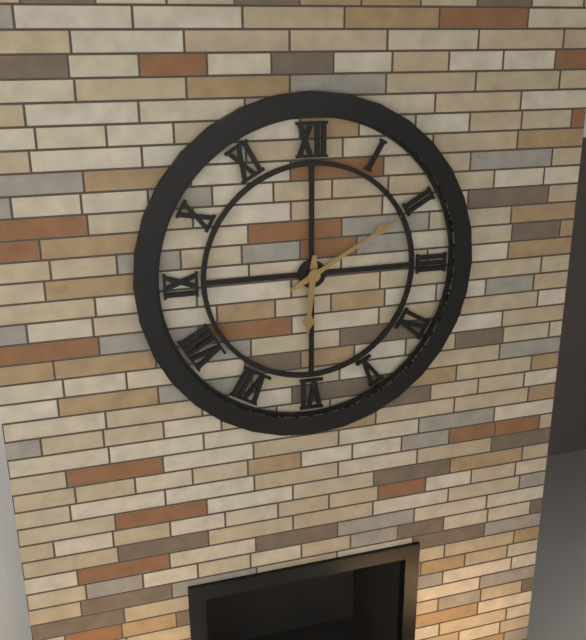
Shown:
h=6 m=10
